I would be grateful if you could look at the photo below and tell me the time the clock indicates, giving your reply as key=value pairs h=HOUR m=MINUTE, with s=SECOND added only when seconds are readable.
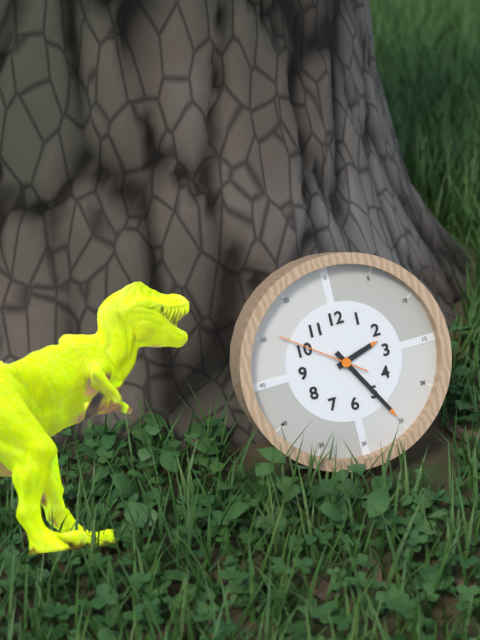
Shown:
h=2 m=25 s=51
